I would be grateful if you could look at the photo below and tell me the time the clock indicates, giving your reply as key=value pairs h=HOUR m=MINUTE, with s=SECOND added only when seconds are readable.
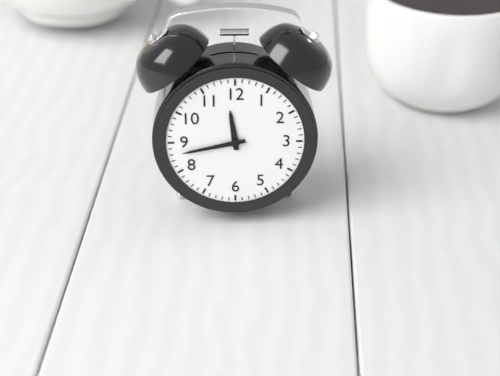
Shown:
h=11 m=43
